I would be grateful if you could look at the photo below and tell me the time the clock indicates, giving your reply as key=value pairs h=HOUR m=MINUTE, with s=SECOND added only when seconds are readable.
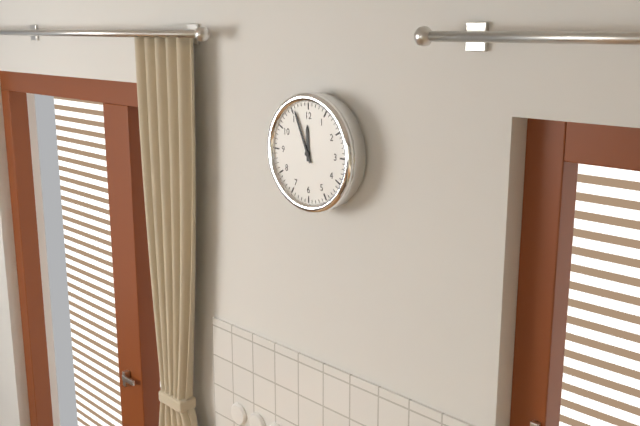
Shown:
h=11 m=56
